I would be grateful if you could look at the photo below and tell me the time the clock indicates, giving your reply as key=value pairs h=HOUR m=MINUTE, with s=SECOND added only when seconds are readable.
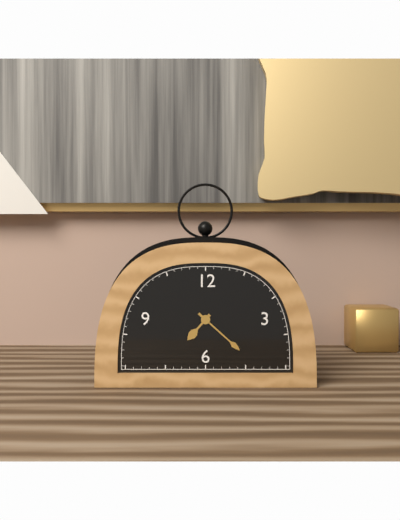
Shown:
h=7 m=22
